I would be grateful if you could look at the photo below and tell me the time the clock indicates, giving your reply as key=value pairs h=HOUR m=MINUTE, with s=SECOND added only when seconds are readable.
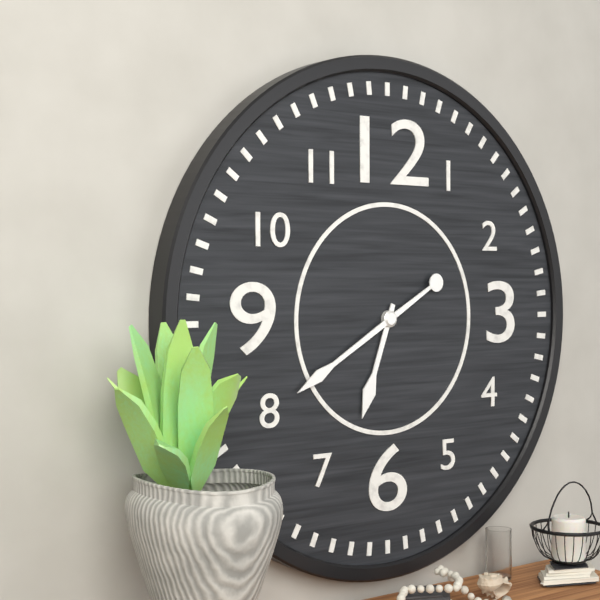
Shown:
h=6 m=40
